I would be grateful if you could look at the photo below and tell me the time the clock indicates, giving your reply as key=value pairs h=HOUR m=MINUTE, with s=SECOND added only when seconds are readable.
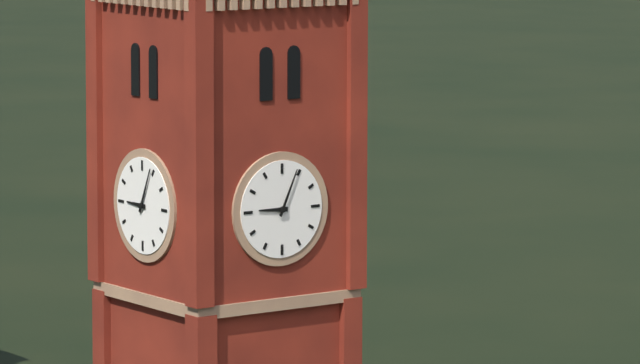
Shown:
h=9 m=4
